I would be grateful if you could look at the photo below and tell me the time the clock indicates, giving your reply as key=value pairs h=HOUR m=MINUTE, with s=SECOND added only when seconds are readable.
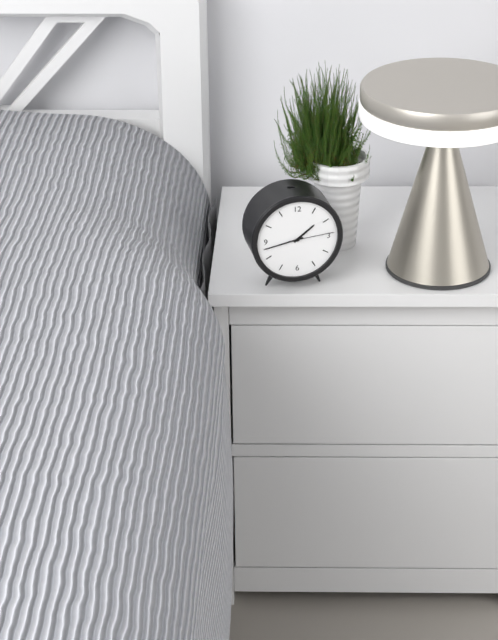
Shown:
h=1 m=43
